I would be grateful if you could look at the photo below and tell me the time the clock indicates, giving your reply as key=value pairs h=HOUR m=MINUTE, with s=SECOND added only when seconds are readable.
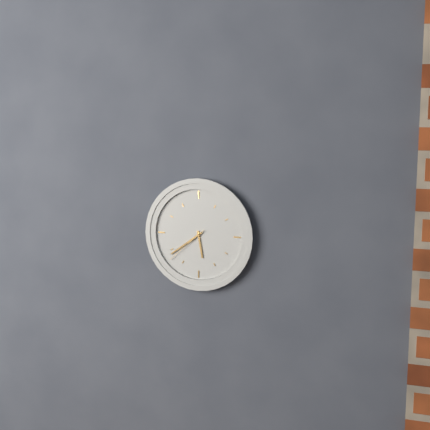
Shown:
h=5 m=39
